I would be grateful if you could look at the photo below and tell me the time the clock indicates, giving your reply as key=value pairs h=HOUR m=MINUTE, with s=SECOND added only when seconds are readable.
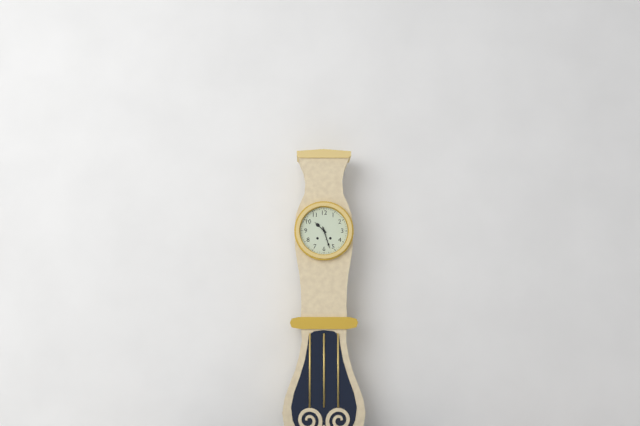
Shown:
h=10 m=27
